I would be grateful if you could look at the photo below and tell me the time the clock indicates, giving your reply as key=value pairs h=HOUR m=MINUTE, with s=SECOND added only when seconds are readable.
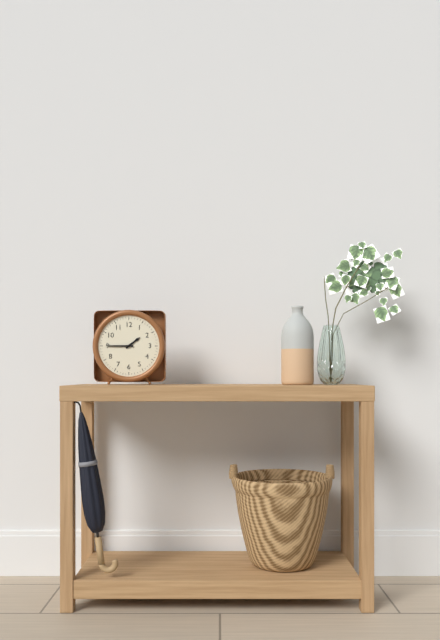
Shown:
h=1 m=45
